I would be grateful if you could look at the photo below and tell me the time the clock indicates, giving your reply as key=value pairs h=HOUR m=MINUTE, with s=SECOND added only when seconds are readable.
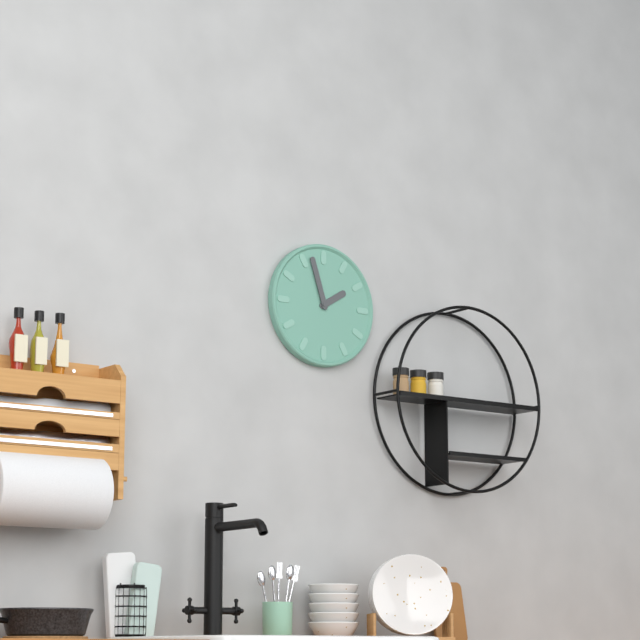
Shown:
h=1 m=57
